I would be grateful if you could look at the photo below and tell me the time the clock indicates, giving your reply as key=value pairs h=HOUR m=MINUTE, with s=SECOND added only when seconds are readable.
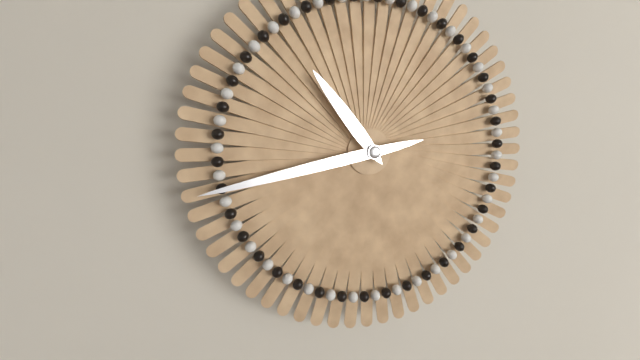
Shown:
h=10 m=43
